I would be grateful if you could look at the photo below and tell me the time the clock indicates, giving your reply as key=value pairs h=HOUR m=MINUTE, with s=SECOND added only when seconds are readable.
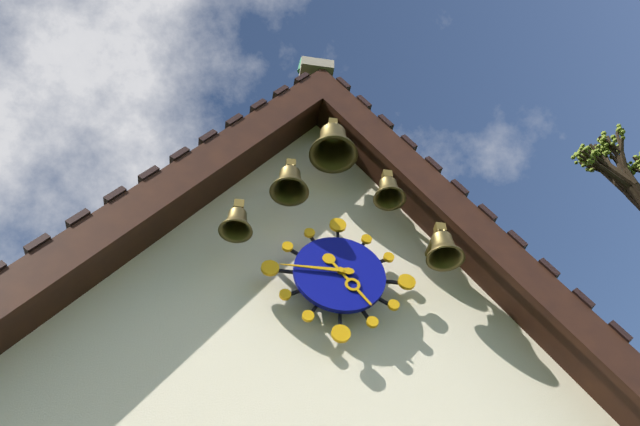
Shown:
h=4 m=45
